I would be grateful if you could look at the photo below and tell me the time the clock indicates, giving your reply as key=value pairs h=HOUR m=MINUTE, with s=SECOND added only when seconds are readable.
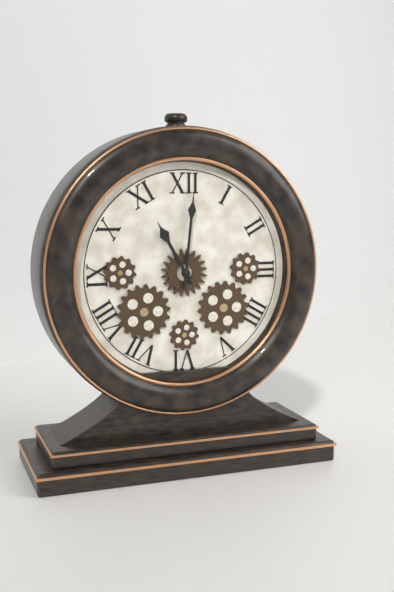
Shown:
h=11 m=1
